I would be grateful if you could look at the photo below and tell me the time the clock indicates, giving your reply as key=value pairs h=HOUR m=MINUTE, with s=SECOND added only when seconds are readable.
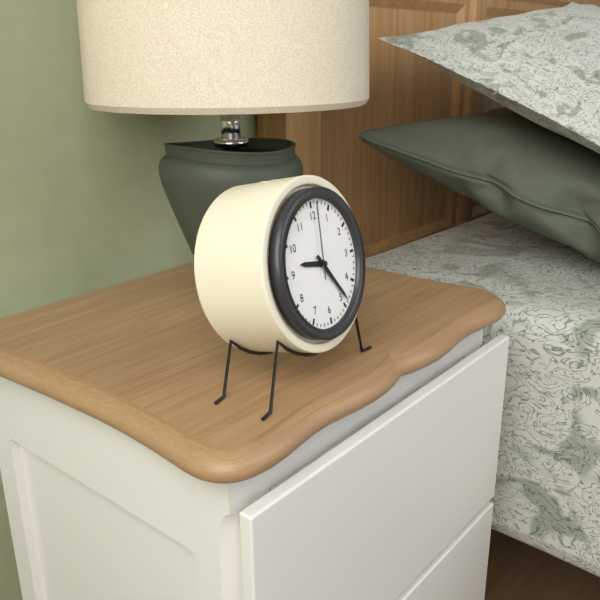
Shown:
h=9 m=24 s=1
